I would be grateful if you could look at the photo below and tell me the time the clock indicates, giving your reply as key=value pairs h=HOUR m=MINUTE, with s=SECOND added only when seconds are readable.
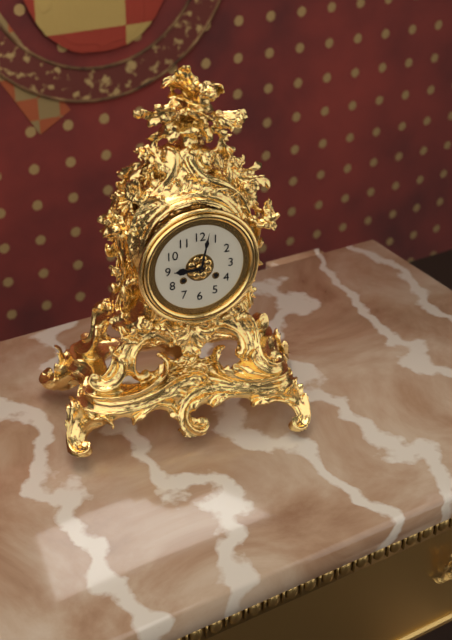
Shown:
h=9 m=2
